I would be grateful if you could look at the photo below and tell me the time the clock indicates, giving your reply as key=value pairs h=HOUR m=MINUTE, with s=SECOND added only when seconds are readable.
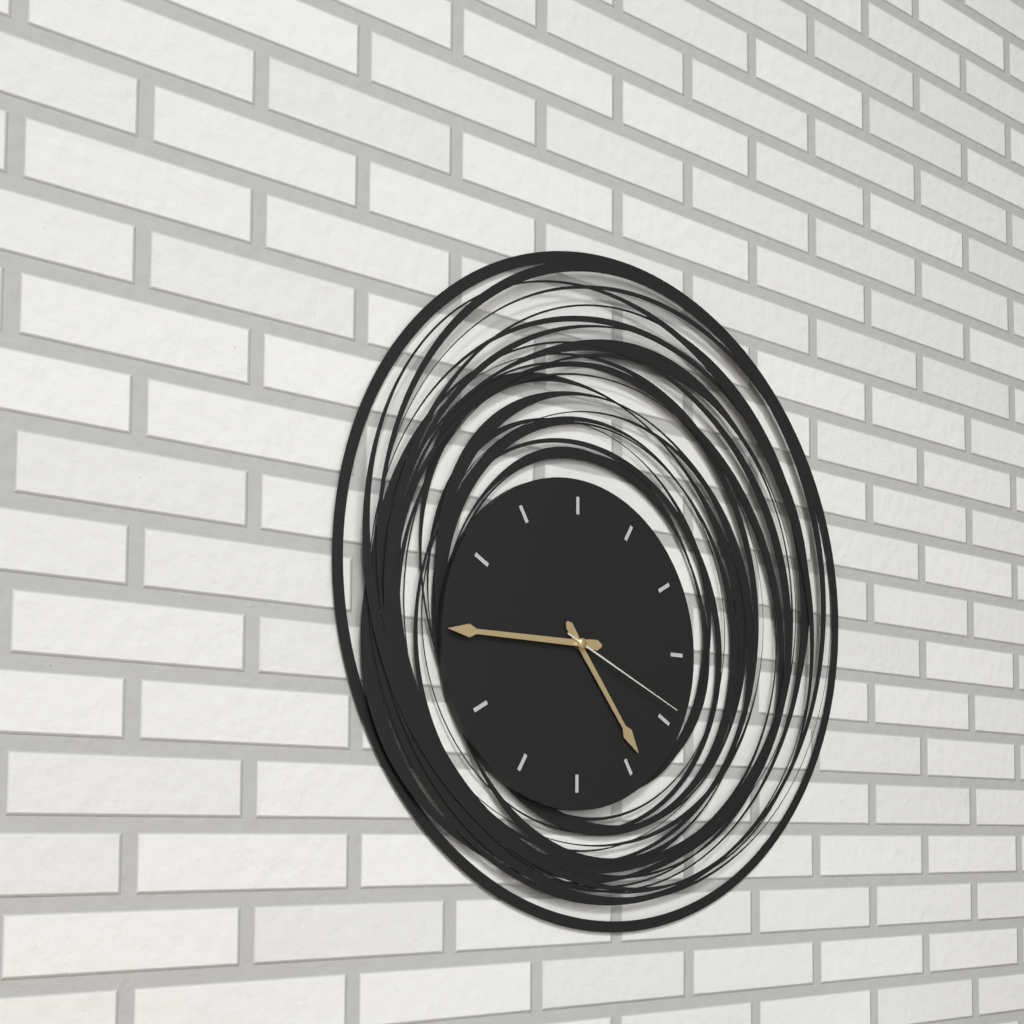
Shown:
h=4 m=45 s=19
